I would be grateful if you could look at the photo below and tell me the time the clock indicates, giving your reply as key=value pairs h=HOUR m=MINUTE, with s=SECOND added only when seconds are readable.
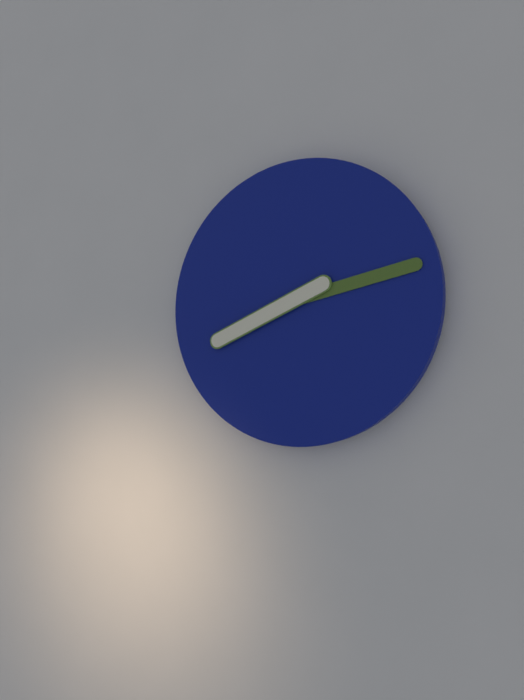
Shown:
h=8 m=13
